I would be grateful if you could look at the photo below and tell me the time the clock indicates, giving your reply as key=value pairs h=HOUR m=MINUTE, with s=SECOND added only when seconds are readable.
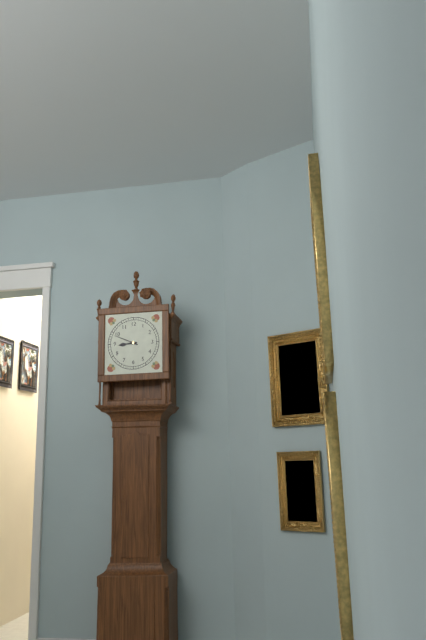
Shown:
h=8 m=49
